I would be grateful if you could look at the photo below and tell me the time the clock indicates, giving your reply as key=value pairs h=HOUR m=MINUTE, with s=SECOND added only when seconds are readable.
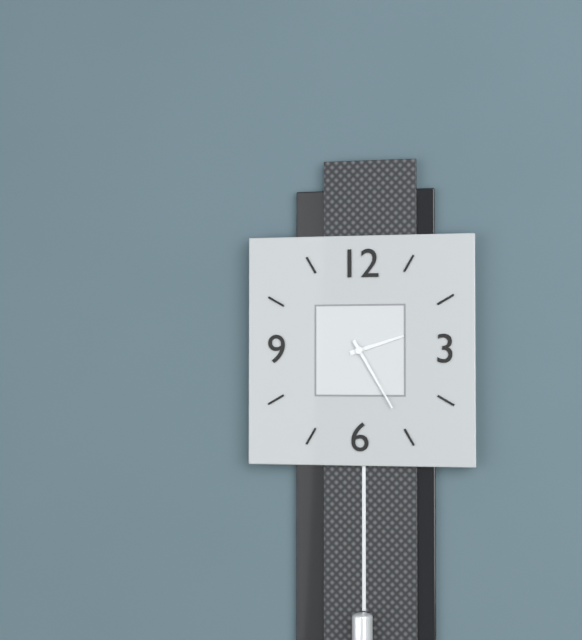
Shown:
h=2 m=25
